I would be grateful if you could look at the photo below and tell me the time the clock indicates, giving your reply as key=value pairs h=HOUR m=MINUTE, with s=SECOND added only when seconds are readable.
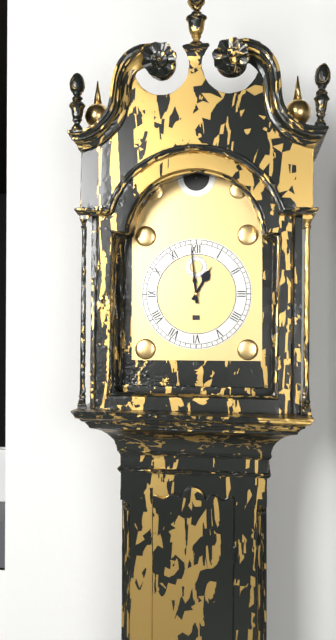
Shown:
h=12 m=59
